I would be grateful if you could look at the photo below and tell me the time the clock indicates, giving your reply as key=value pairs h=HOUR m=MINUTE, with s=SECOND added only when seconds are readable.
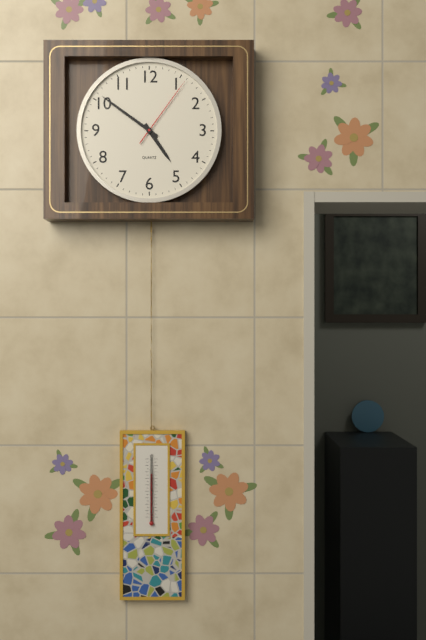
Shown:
h=4 m=51 s=6
